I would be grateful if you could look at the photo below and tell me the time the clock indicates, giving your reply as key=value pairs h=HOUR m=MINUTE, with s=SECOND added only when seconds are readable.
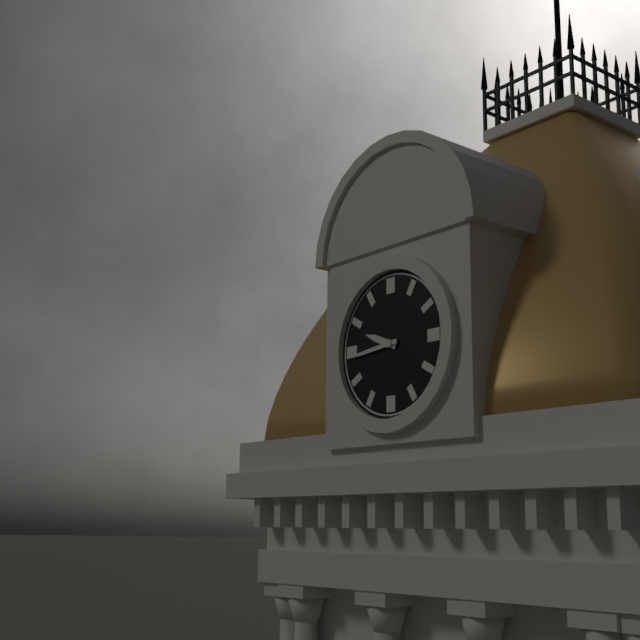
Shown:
h=9 m=44
